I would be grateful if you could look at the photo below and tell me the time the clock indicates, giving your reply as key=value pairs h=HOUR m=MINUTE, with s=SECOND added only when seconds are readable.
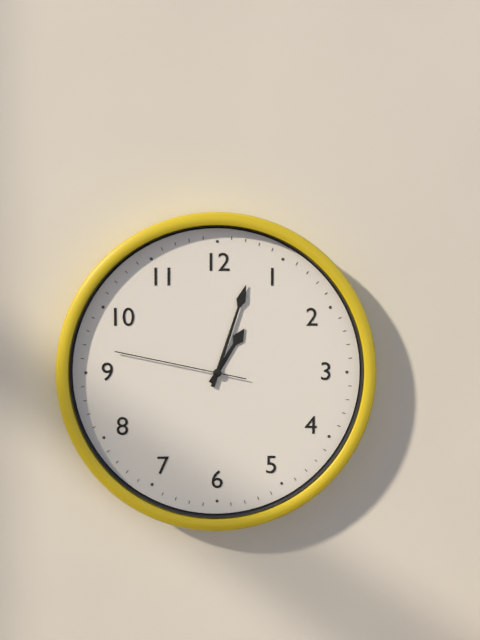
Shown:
h=1 m=3 s=47
